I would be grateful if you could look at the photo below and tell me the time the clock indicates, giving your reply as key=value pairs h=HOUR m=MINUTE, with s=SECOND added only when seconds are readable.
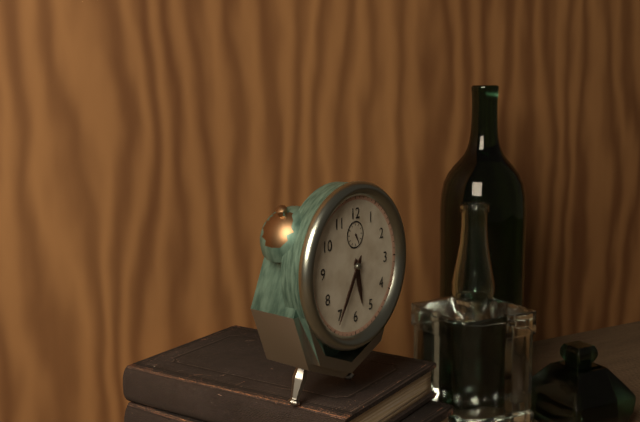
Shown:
h=5 m=35
